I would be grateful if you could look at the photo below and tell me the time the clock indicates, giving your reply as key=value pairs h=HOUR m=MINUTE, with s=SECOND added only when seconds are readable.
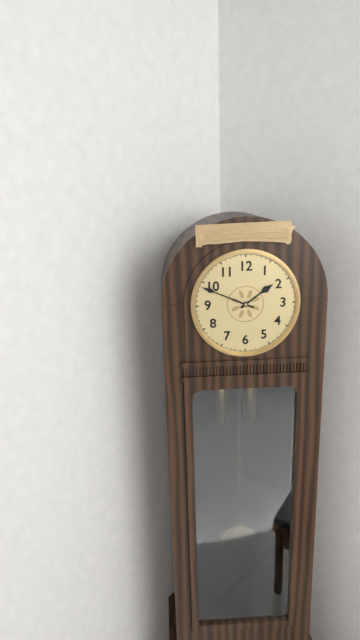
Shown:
h=1 m=49
